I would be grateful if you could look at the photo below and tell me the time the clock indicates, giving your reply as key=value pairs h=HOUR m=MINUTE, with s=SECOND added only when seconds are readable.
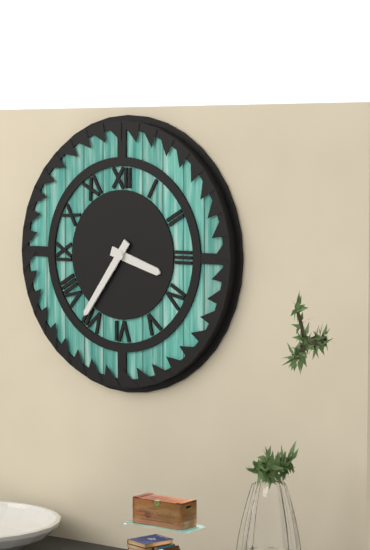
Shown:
h=3 m=36
